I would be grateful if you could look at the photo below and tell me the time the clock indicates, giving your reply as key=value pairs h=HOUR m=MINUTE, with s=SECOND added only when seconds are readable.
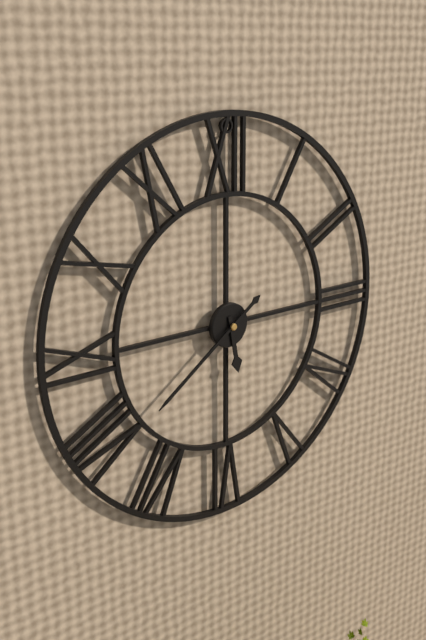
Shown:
h=5 m=39
